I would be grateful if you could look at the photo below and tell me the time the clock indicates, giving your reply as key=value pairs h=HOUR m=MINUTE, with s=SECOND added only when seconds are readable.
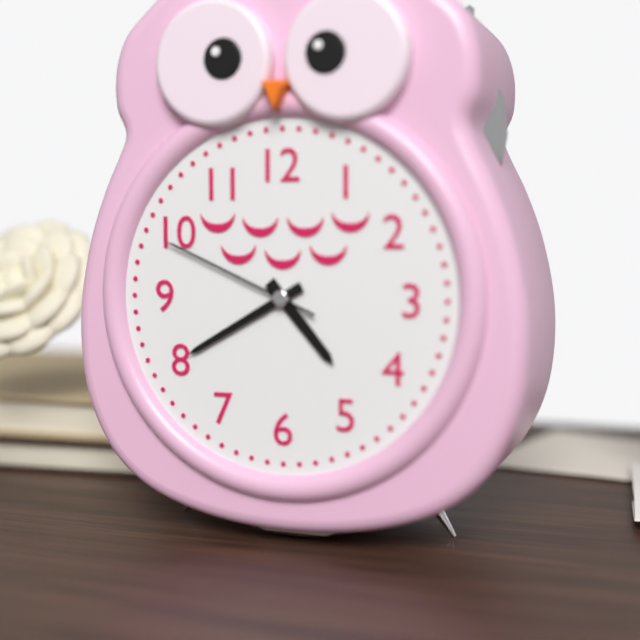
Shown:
h=4 m=40 s=49
